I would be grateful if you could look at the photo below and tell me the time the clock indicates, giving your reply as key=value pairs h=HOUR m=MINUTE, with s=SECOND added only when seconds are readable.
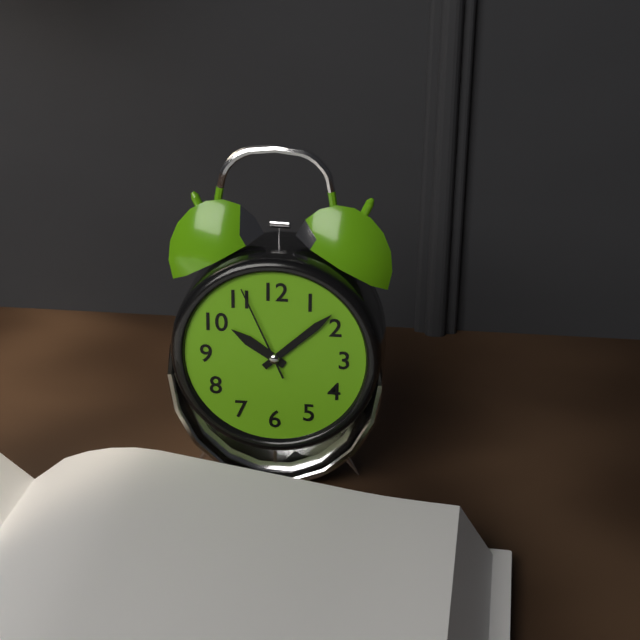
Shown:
h=10 m=8 s=56
